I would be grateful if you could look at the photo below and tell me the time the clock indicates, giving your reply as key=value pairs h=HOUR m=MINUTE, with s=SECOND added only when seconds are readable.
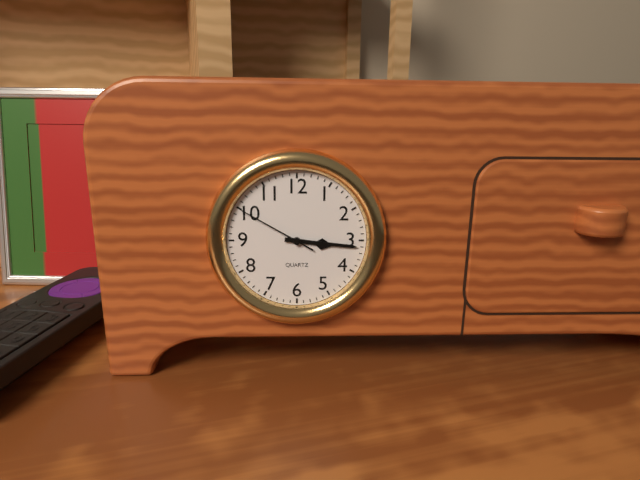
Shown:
h=3 m=16 s=50
